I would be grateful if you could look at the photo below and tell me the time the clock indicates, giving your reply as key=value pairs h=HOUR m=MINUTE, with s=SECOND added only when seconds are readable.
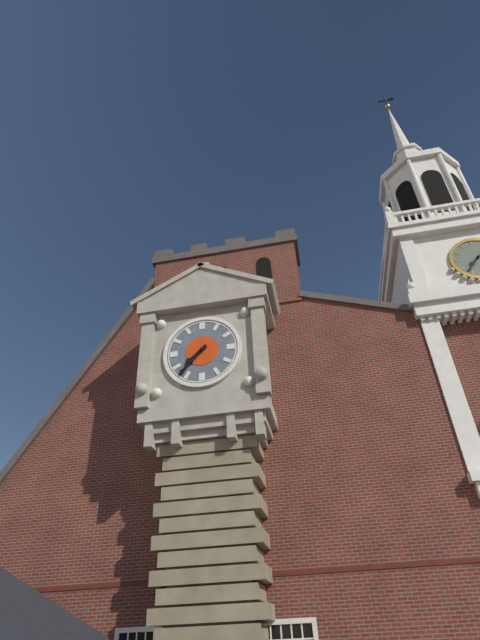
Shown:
h=7 m=37
